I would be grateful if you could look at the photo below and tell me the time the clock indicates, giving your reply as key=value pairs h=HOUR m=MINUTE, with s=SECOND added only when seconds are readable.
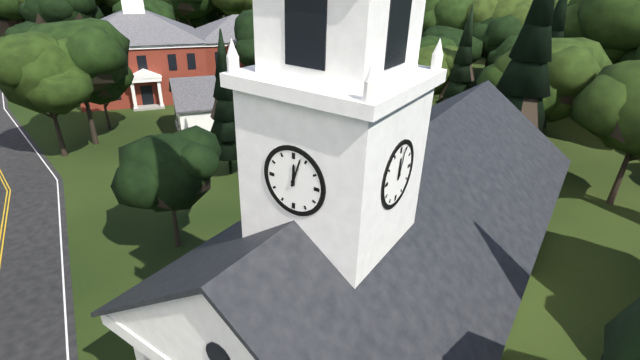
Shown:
h=12 m=3
